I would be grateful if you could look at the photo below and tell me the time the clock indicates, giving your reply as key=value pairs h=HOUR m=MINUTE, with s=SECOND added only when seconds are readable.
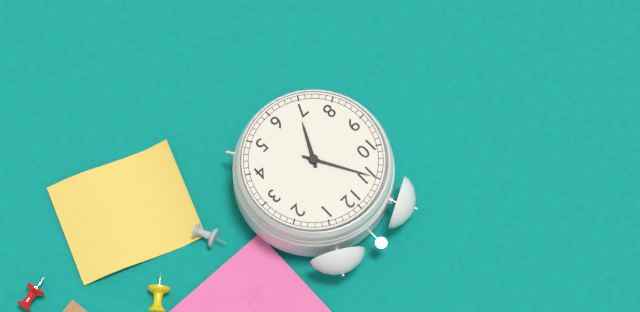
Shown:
h=6 m=55
